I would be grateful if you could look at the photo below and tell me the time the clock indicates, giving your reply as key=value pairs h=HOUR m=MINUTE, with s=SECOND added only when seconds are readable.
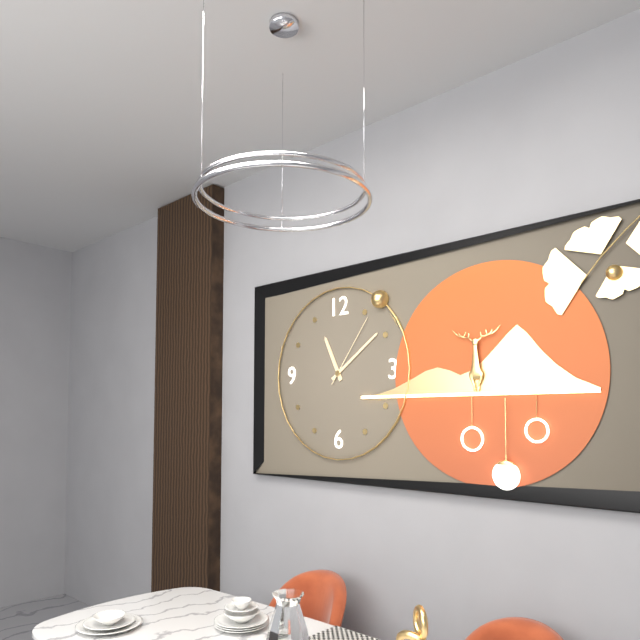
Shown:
h=11 m=9 s=6
